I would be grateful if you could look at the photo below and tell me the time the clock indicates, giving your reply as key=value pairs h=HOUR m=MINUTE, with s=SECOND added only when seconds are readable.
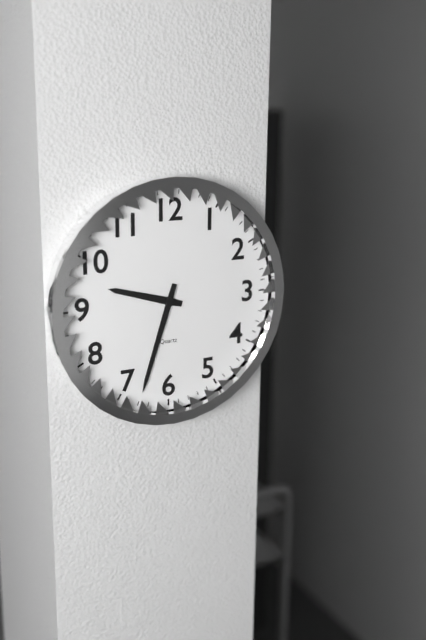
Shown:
h=9 m=33
